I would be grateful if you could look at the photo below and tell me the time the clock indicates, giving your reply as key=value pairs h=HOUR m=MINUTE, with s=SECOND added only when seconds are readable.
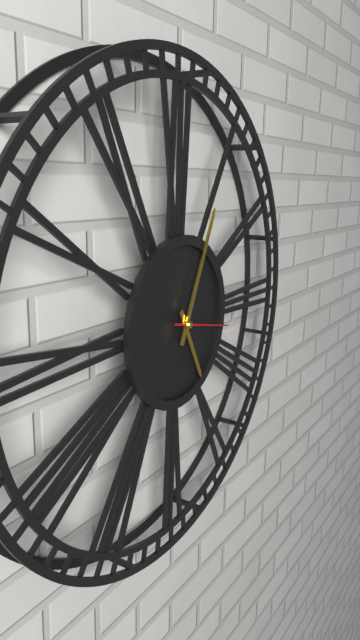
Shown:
h=5 m=4 s=17
